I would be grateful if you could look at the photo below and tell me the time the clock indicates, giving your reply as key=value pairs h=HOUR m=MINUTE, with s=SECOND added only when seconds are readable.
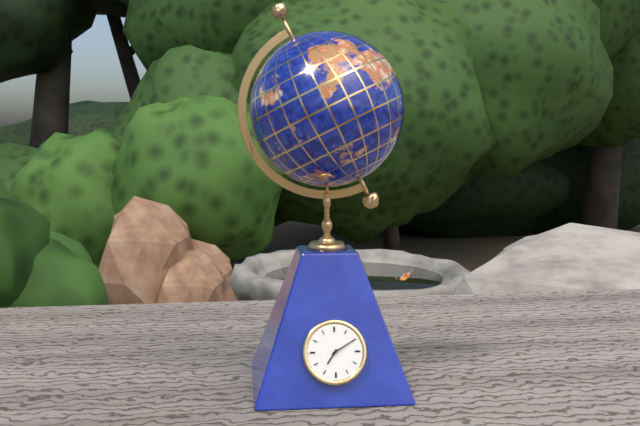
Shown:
h=7 m=10
